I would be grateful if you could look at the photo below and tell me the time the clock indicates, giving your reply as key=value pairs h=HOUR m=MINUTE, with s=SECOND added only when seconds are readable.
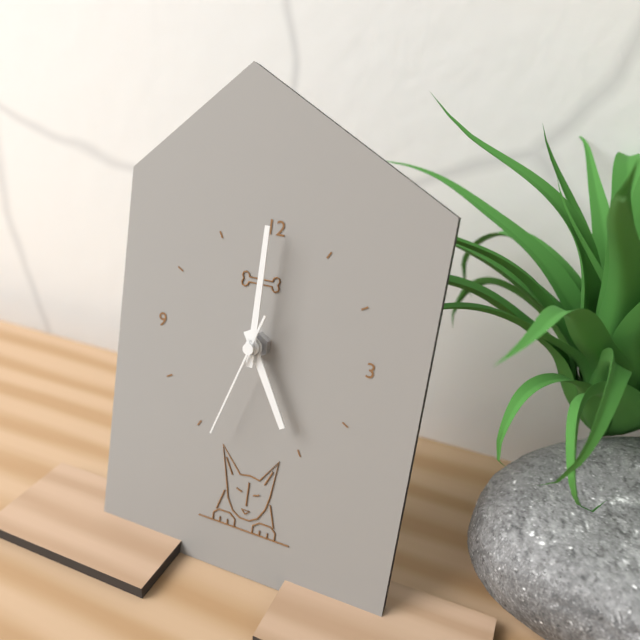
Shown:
h=5 m=0 s=33
